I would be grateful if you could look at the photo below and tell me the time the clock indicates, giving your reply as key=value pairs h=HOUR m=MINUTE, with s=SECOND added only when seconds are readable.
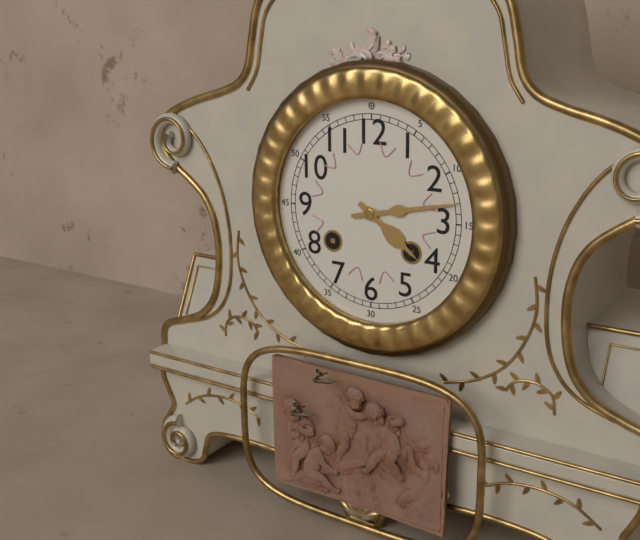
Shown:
h=4 m=13
